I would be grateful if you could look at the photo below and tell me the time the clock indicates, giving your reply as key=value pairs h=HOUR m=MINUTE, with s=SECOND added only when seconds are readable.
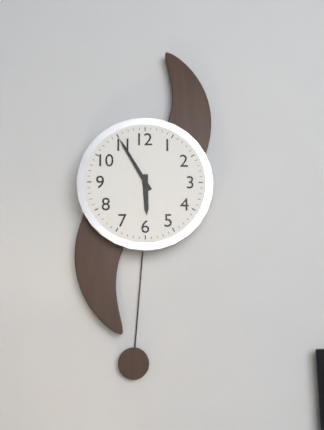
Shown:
h=5 m=55
